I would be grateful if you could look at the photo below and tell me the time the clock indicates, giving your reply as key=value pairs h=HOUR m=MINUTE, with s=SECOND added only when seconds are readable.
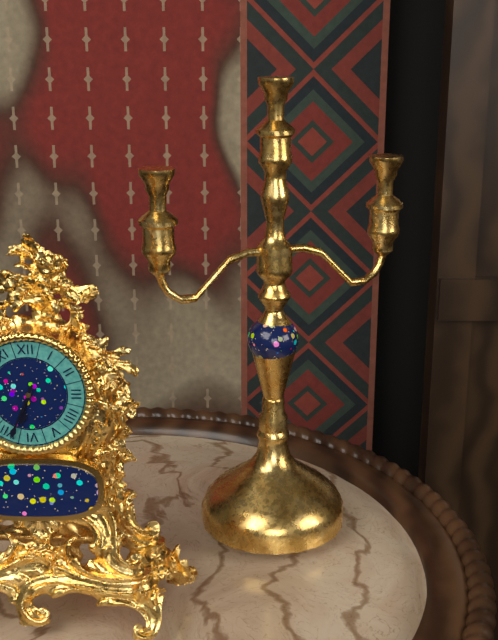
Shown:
h=6 m=34
